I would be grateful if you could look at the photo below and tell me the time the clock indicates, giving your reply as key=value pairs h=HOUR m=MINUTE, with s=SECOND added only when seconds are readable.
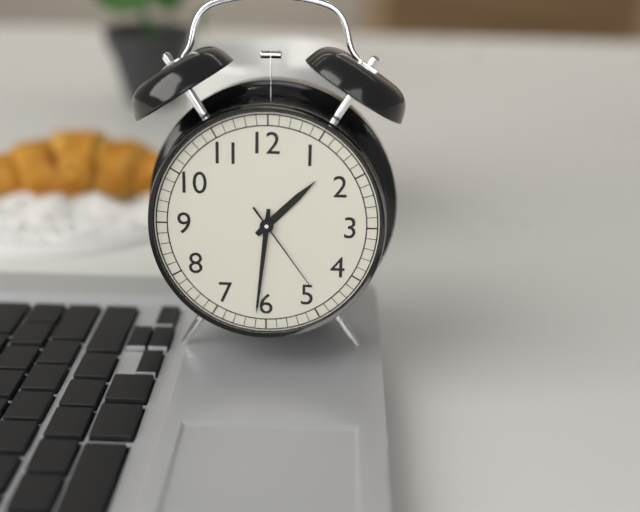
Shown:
h=1 m=31 s=24
